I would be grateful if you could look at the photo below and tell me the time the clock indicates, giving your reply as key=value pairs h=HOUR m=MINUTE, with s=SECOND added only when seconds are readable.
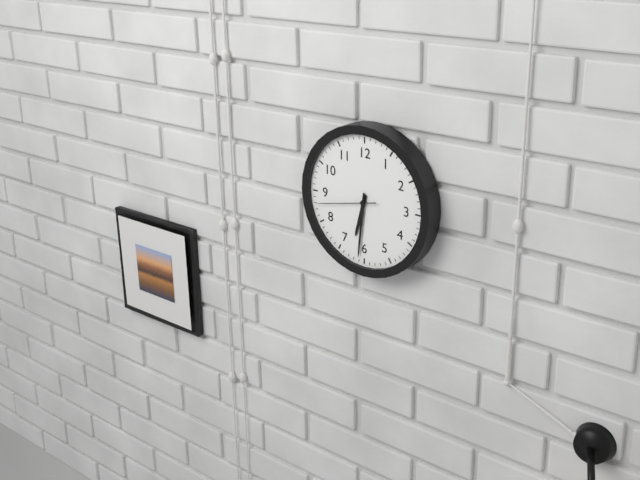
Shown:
h=6 m=31 s=43
